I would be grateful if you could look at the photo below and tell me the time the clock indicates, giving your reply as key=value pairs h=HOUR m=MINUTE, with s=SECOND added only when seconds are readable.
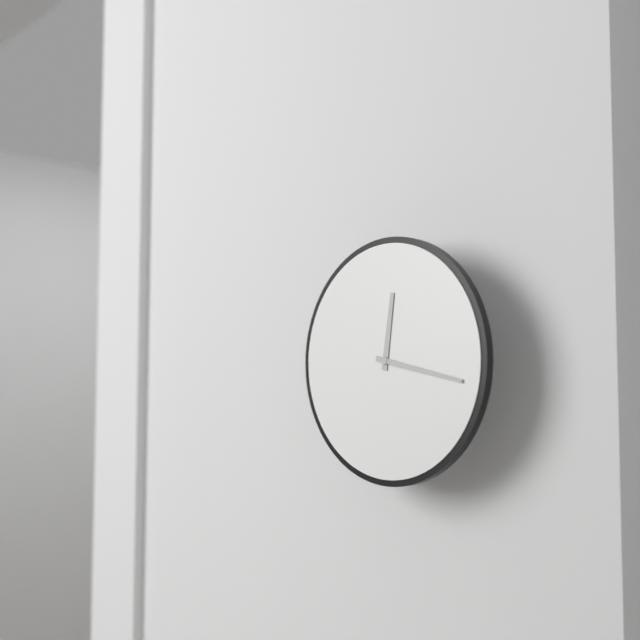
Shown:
h=12 m=17
